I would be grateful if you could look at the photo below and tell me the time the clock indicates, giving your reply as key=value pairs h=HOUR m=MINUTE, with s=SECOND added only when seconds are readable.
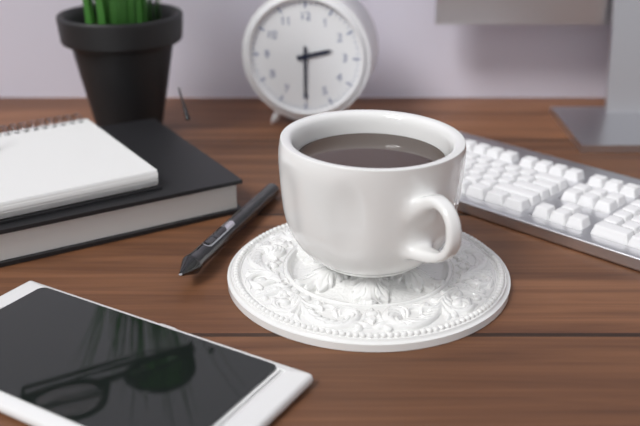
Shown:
h=2 m=30
